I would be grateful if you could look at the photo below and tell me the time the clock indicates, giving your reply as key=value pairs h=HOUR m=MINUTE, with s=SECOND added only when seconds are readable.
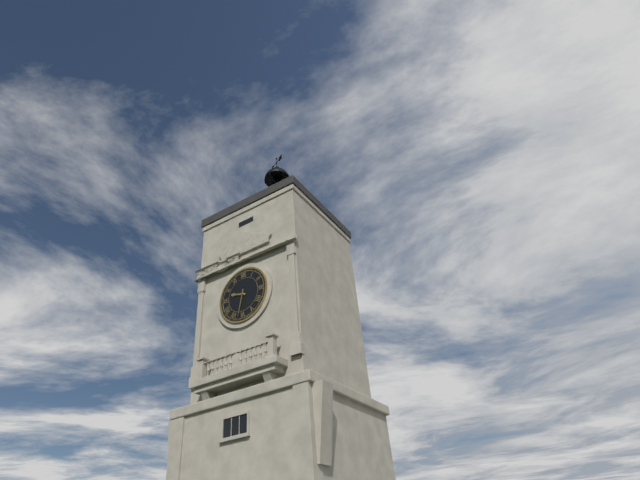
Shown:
h=9 m=32
